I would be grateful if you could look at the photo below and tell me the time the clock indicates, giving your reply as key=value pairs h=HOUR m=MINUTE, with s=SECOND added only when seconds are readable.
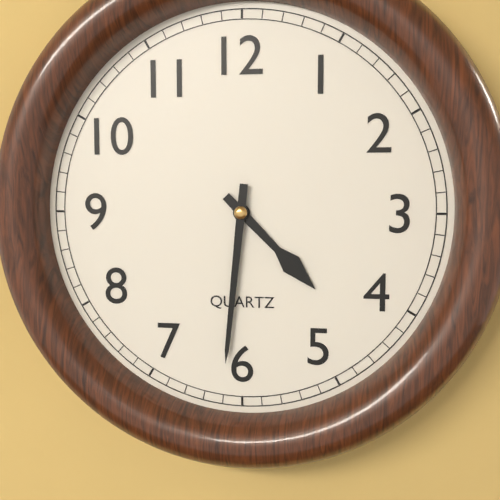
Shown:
h=4 m=31
